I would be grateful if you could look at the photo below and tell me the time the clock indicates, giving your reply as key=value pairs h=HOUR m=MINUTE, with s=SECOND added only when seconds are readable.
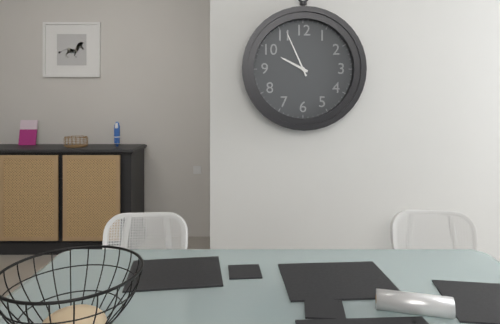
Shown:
h=9 m=56
